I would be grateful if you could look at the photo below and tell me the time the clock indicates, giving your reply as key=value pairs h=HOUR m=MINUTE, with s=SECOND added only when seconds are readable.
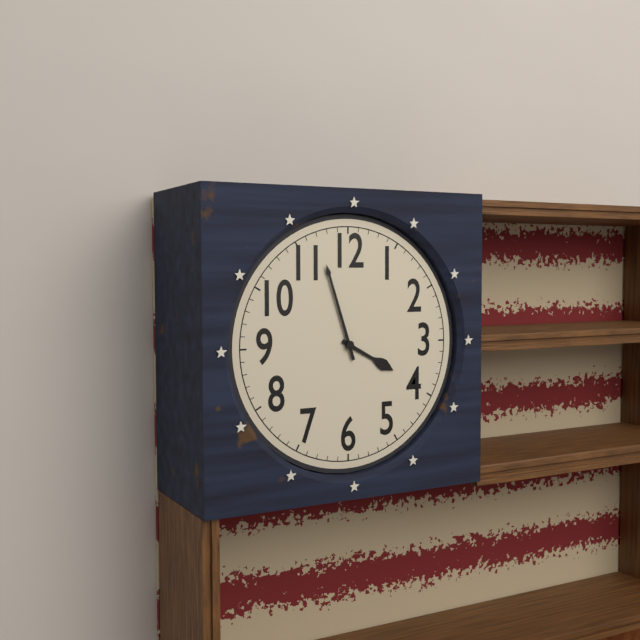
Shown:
h=3 m=57
